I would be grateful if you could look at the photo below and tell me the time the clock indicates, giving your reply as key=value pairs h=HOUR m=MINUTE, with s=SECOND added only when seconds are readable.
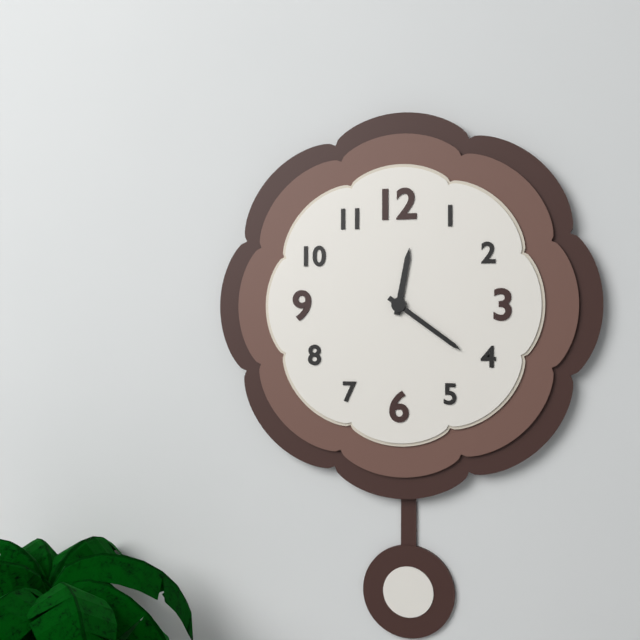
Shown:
h=12 m=21
